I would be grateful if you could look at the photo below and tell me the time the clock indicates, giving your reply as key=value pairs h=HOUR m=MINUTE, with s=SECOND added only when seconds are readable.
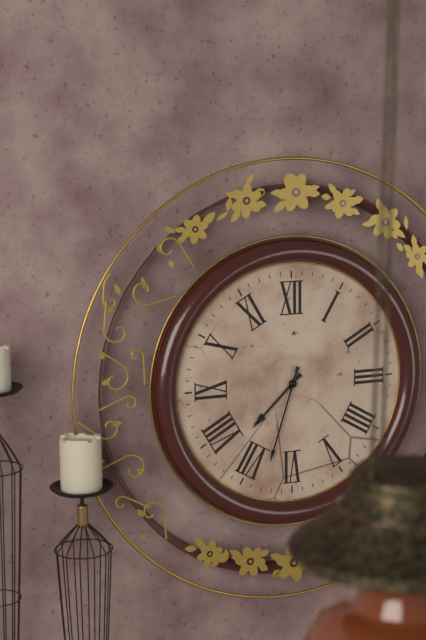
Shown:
h=7 m=33
